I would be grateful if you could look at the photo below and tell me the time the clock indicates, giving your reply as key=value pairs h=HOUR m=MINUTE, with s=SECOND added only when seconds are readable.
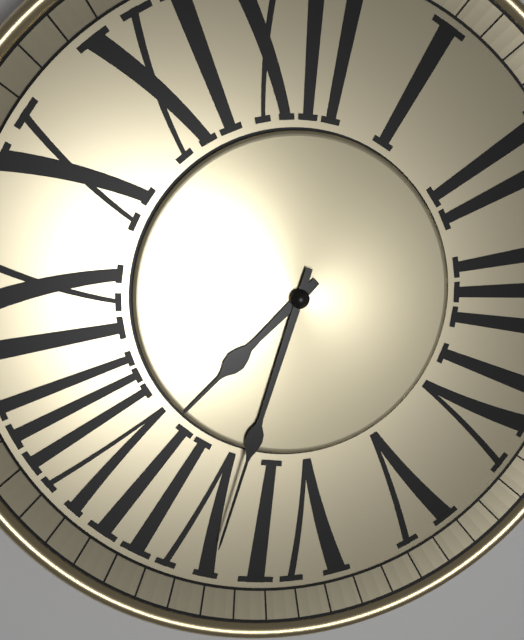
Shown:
h=7 m=33
